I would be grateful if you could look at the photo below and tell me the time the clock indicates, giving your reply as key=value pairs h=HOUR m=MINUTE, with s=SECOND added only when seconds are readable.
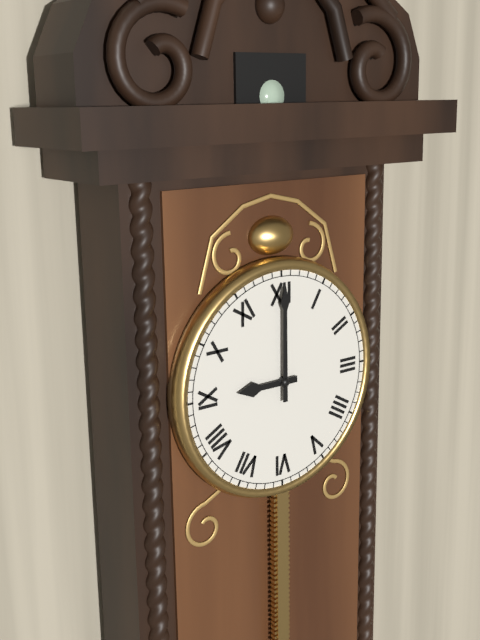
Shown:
h=9 m=0
